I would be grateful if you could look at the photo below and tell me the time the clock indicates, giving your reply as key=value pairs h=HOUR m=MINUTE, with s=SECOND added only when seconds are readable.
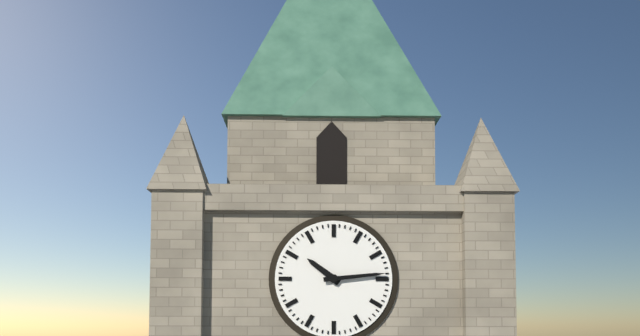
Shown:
h=10 m=14
